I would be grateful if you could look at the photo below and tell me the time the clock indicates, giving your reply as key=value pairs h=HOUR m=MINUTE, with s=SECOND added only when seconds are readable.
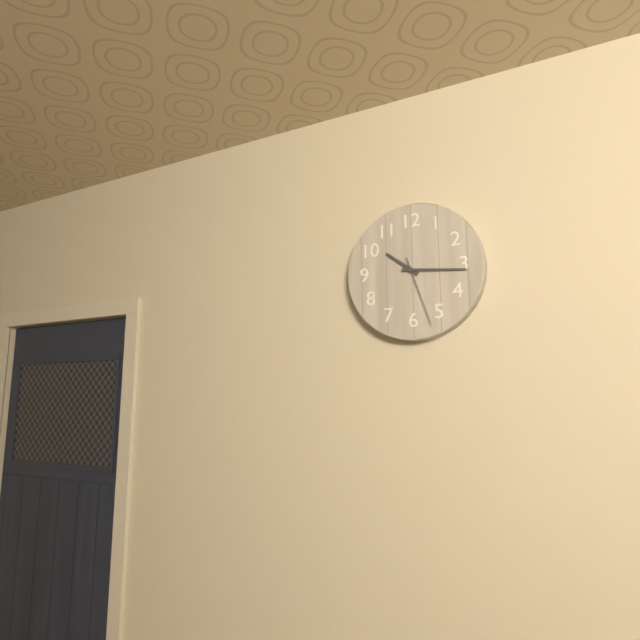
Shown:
h=10 m=16 s=27
